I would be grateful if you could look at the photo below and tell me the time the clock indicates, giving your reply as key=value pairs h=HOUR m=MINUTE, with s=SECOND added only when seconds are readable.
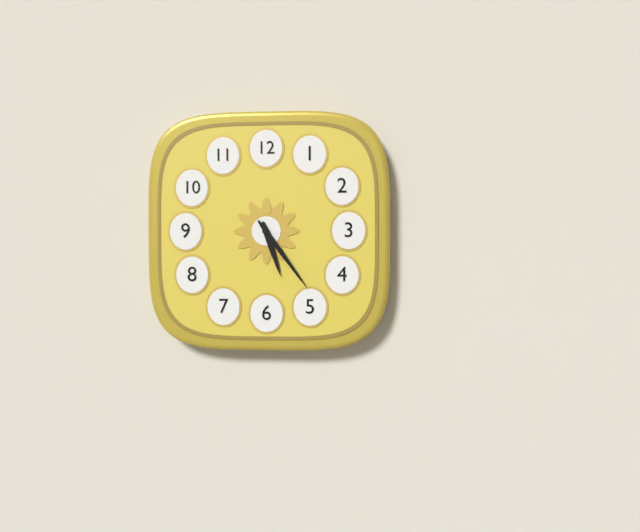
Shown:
h=5 m=24
